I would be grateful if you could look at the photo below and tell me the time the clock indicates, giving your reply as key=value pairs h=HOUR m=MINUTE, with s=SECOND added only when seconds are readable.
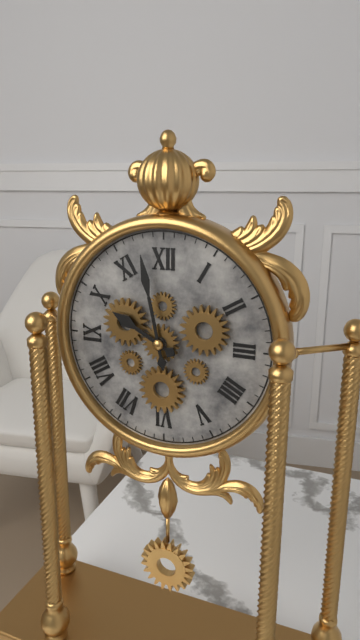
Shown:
h=9 m=58
